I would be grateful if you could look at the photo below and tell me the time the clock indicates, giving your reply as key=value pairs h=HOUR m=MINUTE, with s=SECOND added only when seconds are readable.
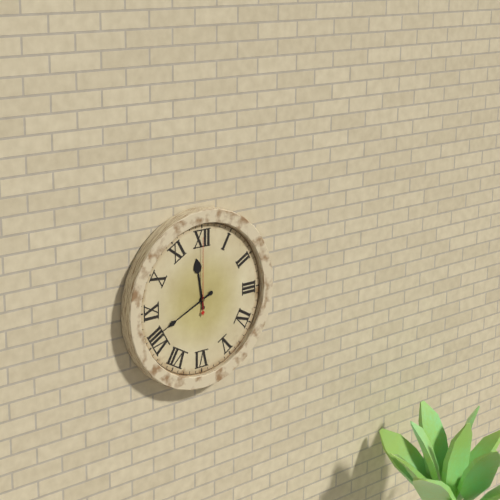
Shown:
h=11 m=41 s=0
